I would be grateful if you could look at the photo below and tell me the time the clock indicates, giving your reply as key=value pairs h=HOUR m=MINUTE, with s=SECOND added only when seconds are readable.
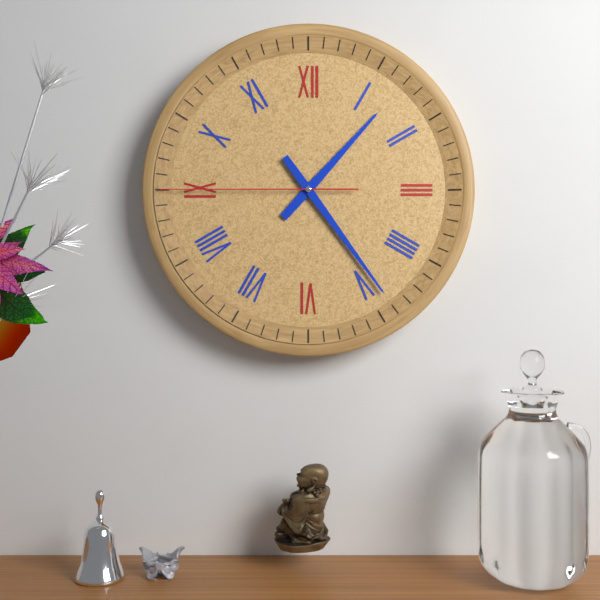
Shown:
h=1 m=24 s=45
